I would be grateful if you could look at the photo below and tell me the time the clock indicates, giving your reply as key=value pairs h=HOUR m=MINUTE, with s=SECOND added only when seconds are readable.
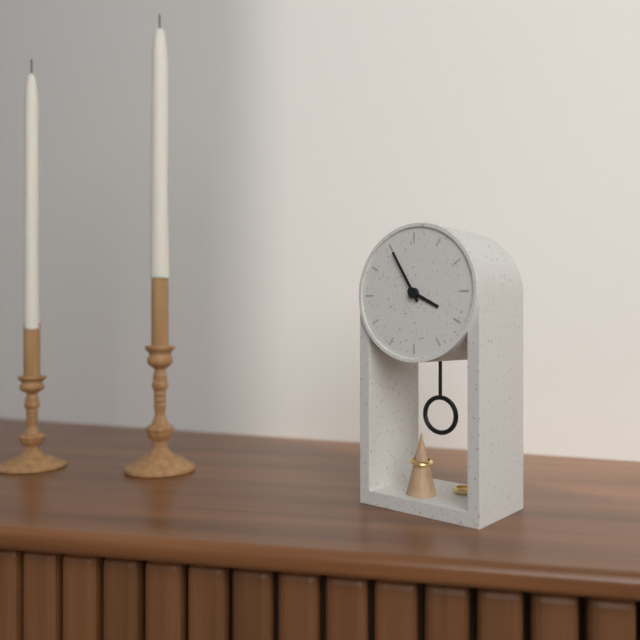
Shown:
h=3 m=55
